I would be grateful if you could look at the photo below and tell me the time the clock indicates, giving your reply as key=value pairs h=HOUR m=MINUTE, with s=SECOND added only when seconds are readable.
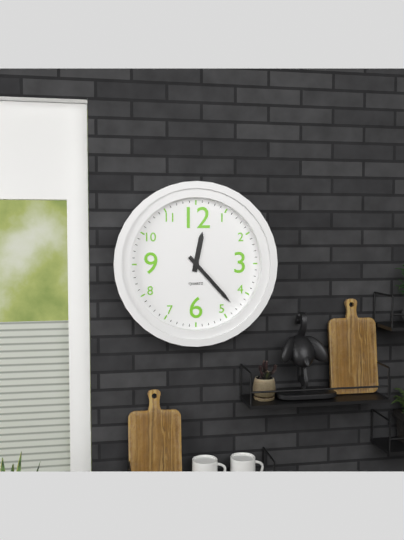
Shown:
h=12 m=23
